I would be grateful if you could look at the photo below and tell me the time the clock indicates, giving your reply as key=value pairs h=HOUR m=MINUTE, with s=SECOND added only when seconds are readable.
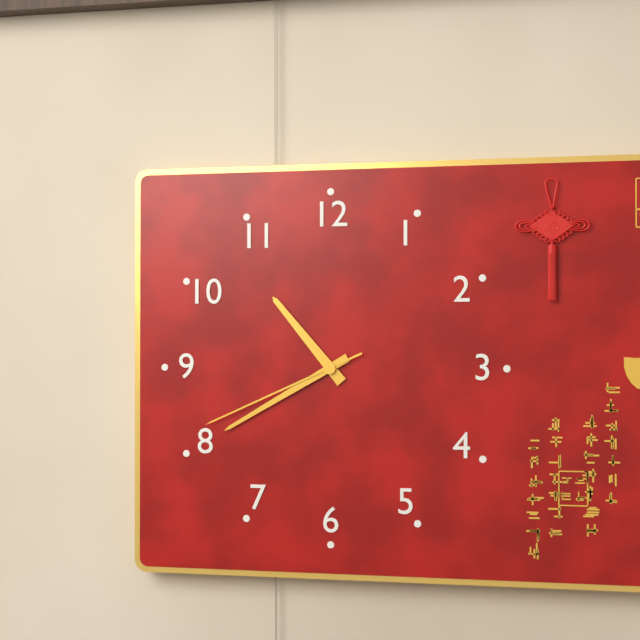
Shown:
h=10 m=40 s=41
